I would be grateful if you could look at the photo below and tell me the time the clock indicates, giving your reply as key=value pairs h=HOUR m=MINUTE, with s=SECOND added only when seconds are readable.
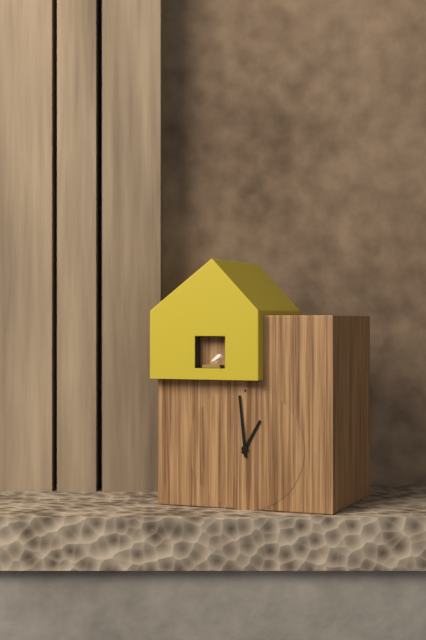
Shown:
h=12 m=59
